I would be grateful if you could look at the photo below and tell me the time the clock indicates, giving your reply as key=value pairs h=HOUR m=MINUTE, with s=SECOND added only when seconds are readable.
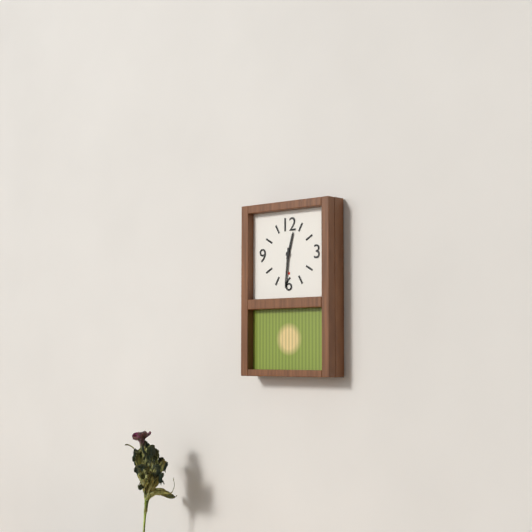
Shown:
h=12 m=31
